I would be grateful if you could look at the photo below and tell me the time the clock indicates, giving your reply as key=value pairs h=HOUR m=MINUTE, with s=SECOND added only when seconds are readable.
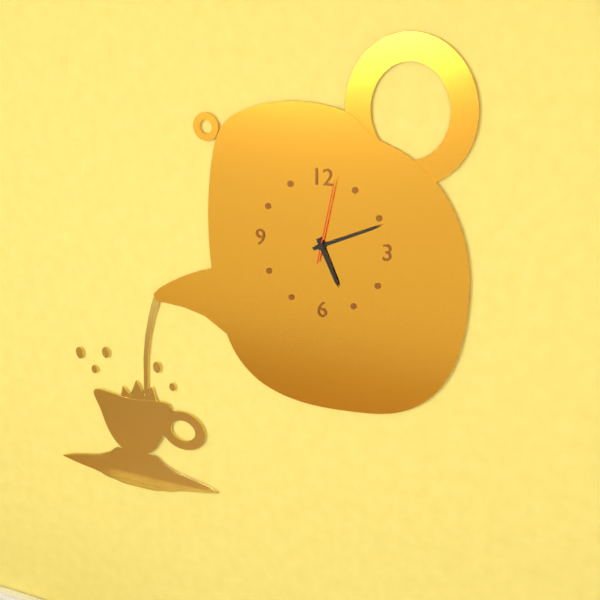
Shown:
h=5 m=11 s=2
